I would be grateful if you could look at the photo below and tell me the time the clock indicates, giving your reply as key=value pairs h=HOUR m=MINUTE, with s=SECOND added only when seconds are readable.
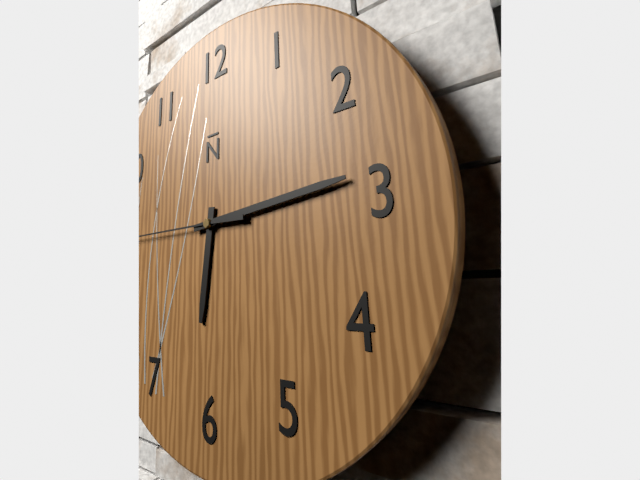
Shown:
h=6 m=14 s=45
